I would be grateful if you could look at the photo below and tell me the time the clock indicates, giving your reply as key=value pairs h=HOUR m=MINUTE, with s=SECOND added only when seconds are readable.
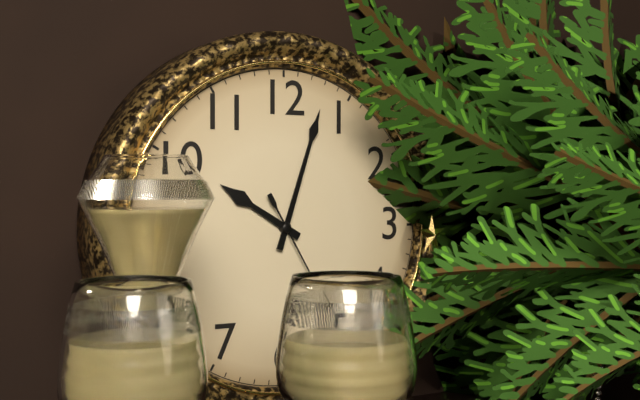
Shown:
h=10 m=3
